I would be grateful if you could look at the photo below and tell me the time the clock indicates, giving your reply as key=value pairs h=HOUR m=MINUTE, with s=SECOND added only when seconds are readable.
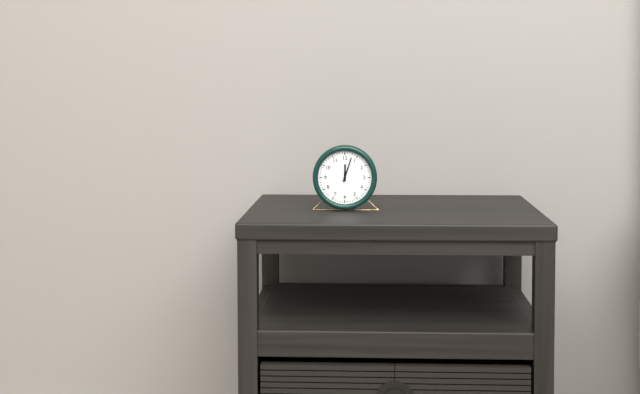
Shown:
h=12 m=3
